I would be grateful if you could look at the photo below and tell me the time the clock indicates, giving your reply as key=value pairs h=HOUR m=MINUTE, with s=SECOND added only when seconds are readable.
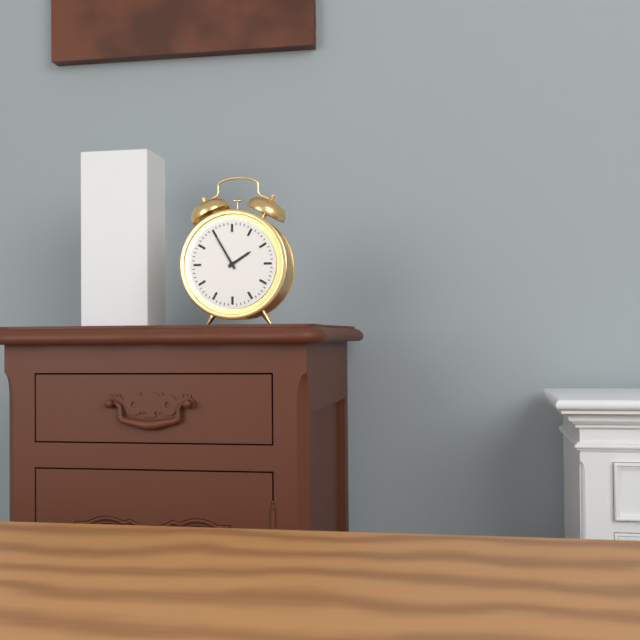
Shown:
h=1 m=55
